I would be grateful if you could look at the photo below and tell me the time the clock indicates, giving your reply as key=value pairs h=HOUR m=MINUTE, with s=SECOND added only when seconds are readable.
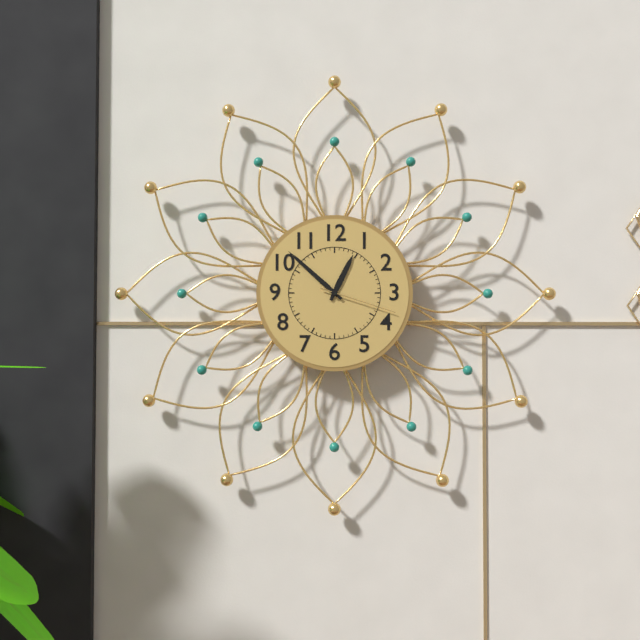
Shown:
h=12 m=52 s=18
